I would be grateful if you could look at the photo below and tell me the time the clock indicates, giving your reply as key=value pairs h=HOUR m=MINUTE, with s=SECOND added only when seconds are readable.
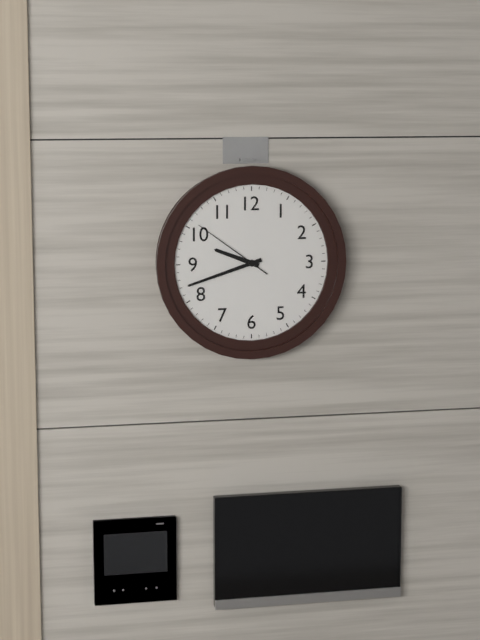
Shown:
h=9 m=42 s=51
